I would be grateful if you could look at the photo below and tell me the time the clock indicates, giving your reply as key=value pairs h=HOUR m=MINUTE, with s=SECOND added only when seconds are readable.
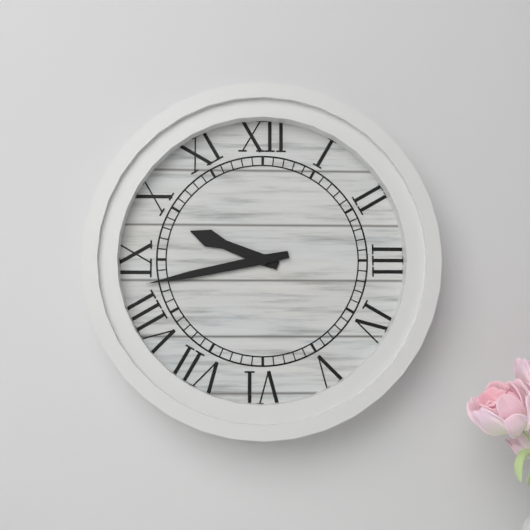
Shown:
h=9 m=43
